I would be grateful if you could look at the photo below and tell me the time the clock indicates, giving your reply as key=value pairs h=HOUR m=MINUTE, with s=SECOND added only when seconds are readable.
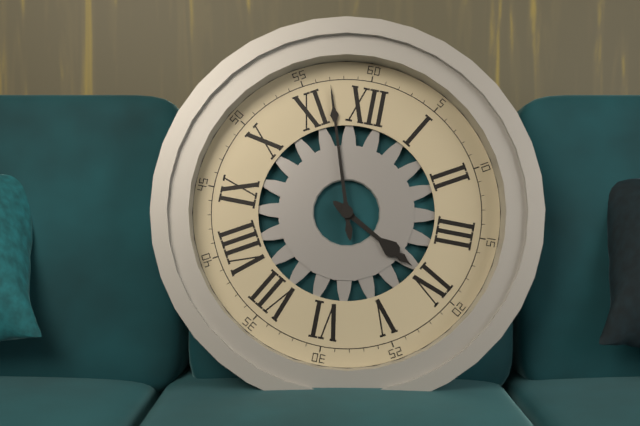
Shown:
h=3 m=57
